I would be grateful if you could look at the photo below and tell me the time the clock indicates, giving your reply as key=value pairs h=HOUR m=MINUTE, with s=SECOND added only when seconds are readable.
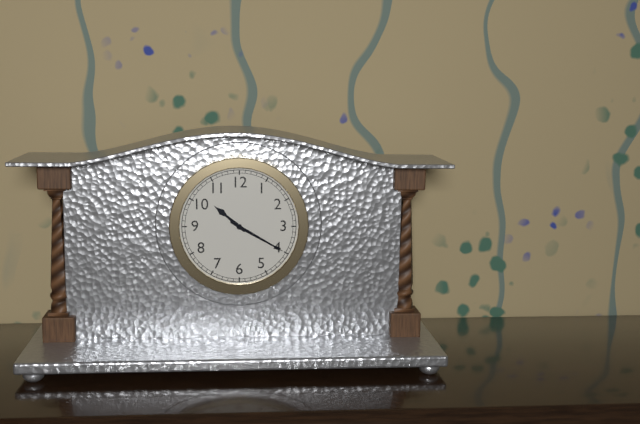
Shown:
h=10 m=20
